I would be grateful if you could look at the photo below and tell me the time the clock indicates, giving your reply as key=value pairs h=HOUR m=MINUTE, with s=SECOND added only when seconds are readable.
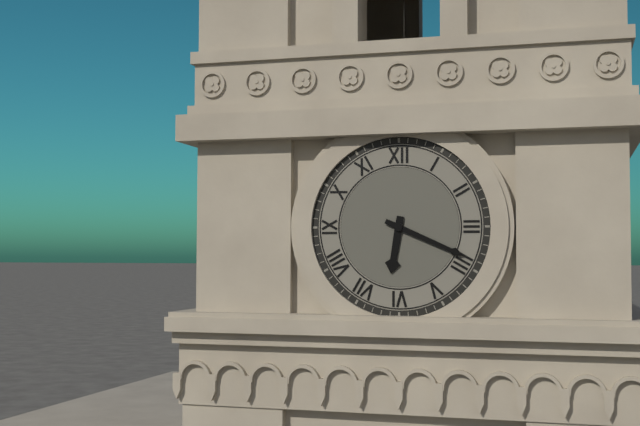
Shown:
h=6 m=19
